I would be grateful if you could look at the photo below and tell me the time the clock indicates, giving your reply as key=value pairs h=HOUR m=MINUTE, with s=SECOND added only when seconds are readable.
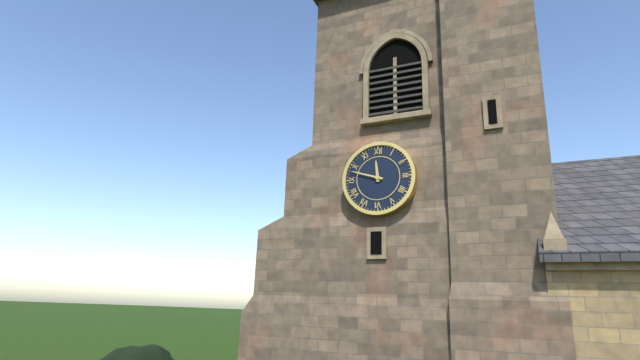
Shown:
h=11 m=48
